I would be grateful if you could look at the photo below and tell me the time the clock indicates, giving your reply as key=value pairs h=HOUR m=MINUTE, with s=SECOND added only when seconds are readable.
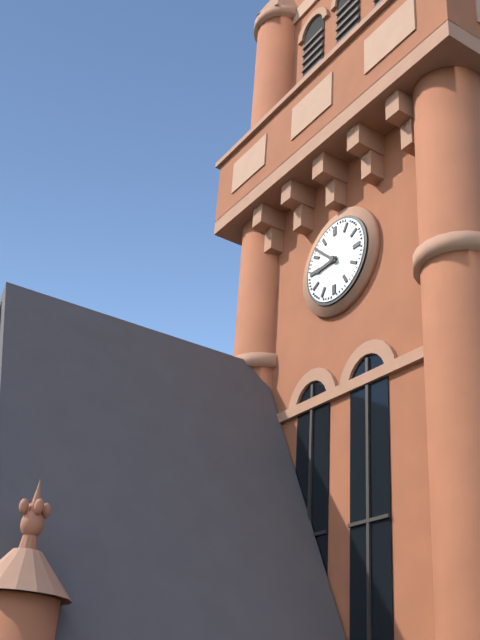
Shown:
h=8 m=52
